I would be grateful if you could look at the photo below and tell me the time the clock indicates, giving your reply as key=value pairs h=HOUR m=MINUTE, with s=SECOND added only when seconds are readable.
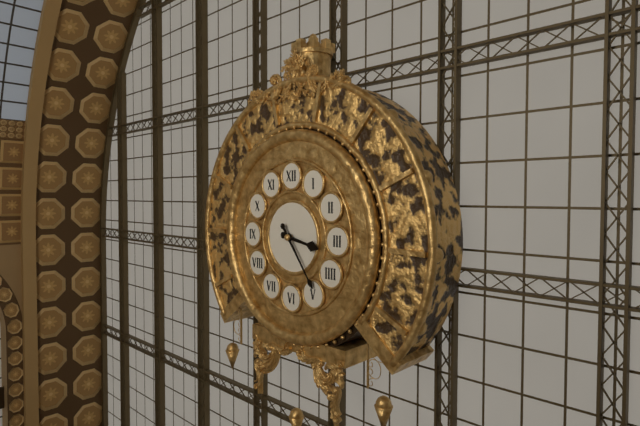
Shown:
h=3 m=24
